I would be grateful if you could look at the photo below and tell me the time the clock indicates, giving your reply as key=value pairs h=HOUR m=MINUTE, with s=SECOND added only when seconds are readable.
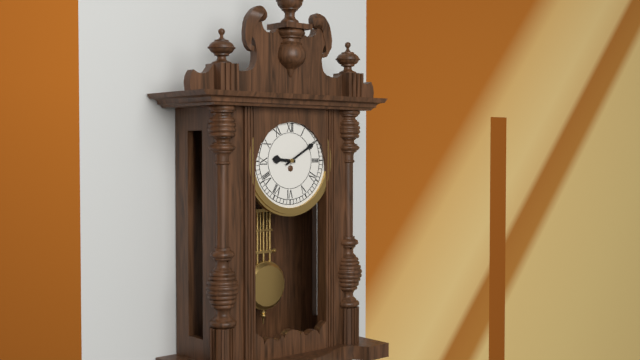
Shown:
h=9 m=10
